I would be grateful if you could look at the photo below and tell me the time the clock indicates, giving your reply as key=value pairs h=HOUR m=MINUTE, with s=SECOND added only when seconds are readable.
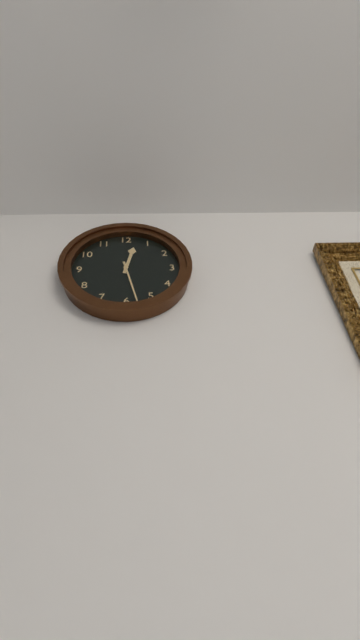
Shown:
h=12 m=28
